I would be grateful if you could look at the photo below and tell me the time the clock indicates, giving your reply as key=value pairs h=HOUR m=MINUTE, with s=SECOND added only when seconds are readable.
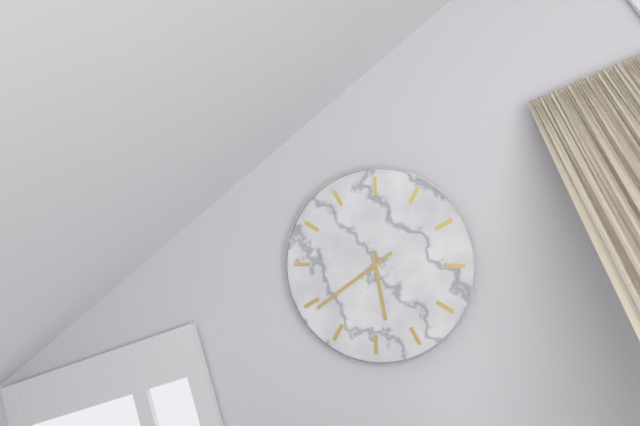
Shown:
h=5 m=39
